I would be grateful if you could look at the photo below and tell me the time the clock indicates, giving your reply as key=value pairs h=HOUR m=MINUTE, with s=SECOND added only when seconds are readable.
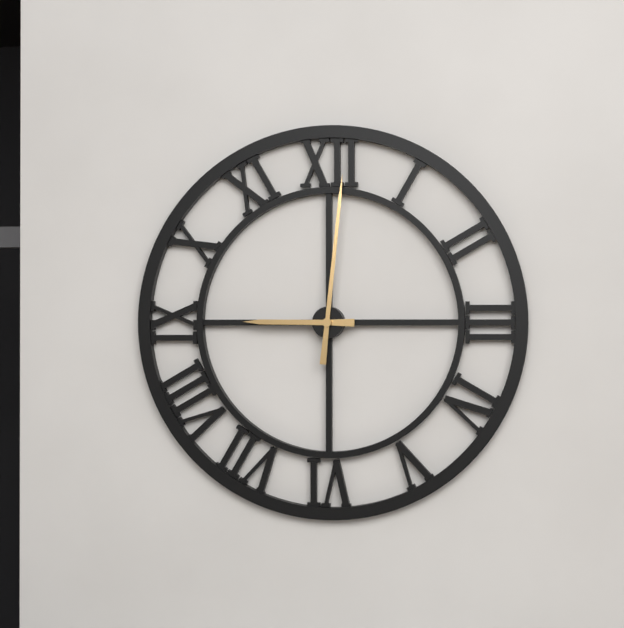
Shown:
h=9 m=1
